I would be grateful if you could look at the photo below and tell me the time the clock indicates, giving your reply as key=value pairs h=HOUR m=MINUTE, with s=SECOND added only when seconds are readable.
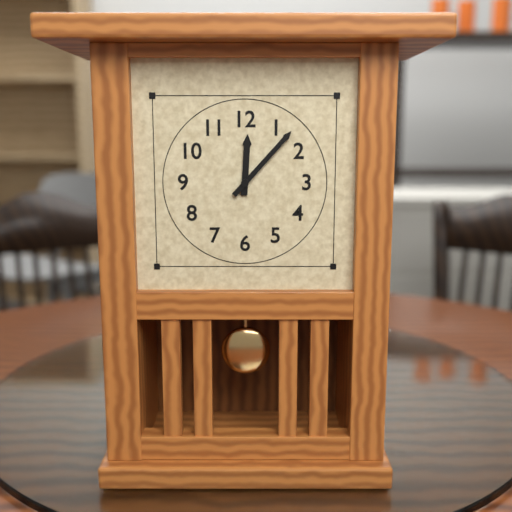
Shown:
h=12 m=7
